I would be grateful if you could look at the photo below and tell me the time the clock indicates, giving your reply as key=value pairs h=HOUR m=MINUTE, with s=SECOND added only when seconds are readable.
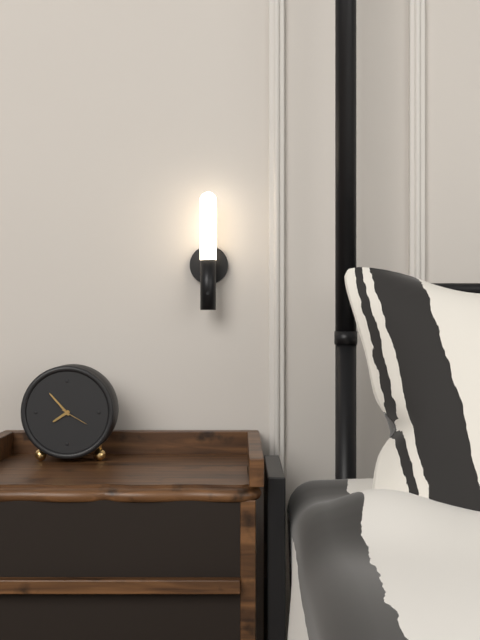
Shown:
h=7 m=53
